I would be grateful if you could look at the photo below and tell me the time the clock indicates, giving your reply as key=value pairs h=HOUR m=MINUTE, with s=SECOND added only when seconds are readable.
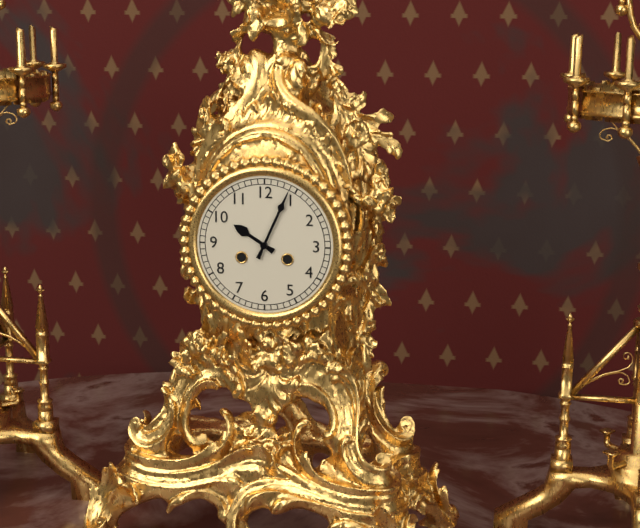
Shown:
h=10 m=4
